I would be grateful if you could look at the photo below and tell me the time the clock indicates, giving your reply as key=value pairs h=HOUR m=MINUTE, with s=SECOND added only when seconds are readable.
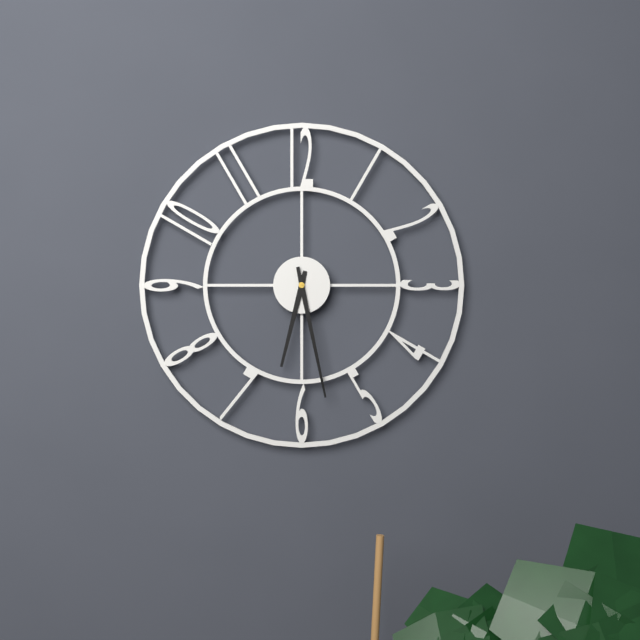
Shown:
h=6 m=28
